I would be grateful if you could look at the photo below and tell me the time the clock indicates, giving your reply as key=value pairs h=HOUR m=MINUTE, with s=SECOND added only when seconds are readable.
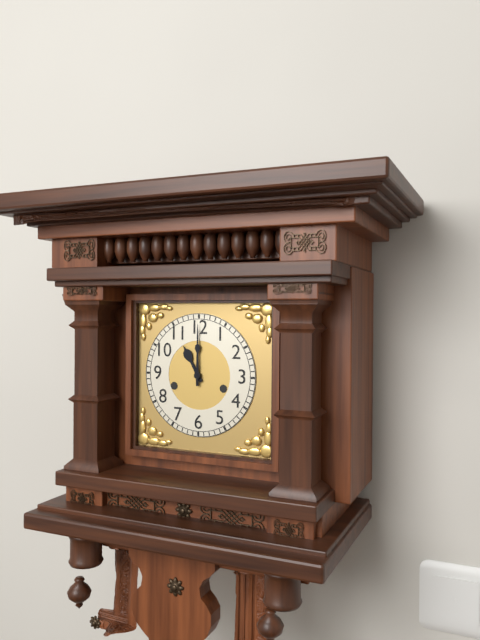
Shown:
h=11 m=0
